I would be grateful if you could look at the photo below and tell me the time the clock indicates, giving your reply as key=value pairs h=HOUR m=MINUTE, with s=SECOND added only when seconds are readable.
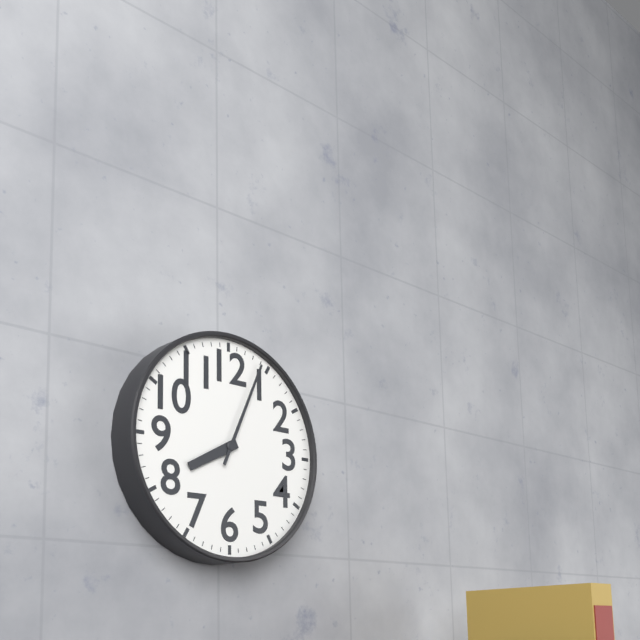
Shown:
h=8 m=4
